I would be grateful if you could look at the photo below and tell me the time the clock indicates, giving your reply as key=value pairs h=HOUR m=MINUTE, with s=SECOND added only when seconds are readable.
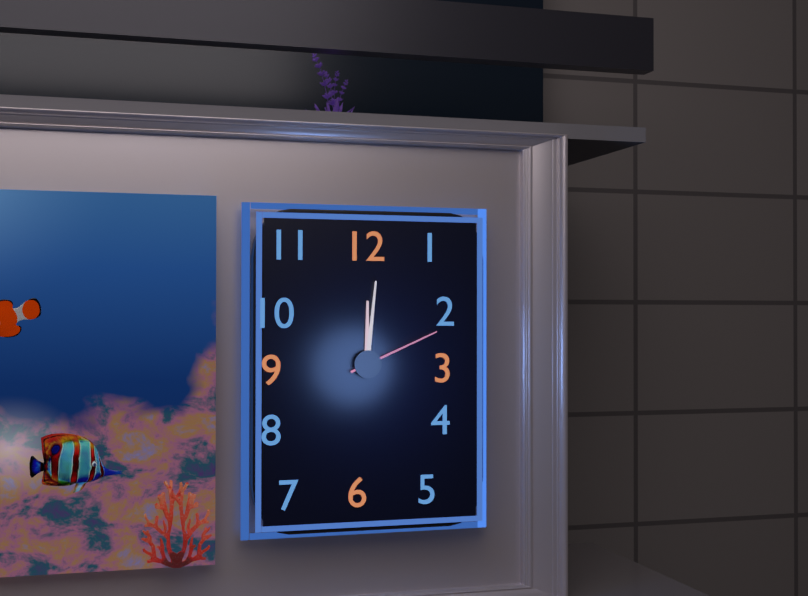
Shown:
h=12 m=1 s=11
